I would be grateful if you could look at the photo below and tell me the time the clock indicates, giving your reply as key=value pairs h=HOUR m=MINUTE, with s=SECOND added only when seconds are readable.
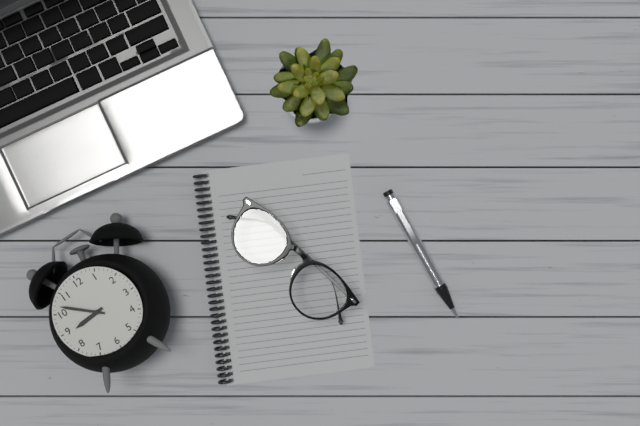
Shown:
h=8 m=52
